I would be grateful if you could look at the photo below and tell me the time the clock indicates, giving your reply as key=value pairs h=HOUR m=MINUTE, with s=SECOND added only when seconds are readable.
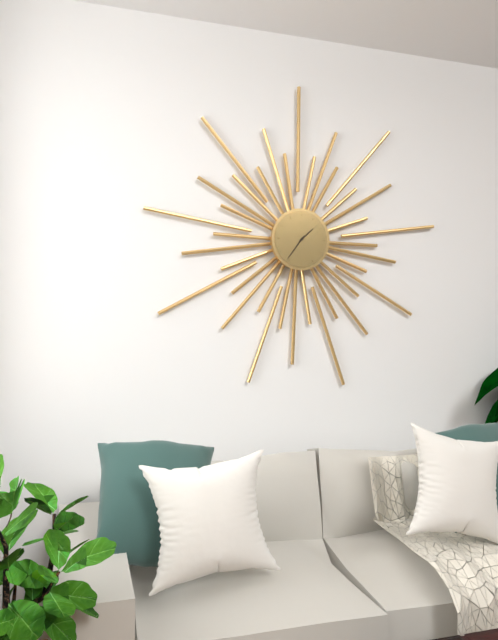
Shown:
h=1 m=36
